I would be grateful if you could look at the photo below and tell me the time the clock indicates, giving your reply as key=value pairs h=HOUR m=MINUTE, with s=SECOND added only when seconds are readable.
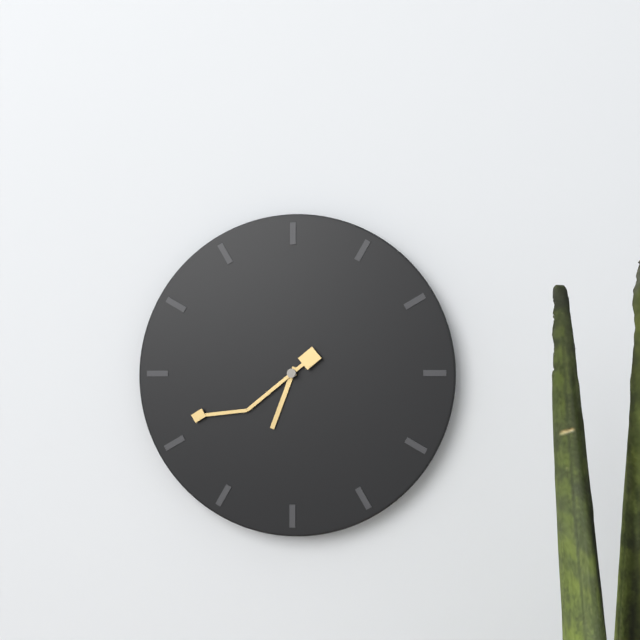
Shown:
h=6 m=41
